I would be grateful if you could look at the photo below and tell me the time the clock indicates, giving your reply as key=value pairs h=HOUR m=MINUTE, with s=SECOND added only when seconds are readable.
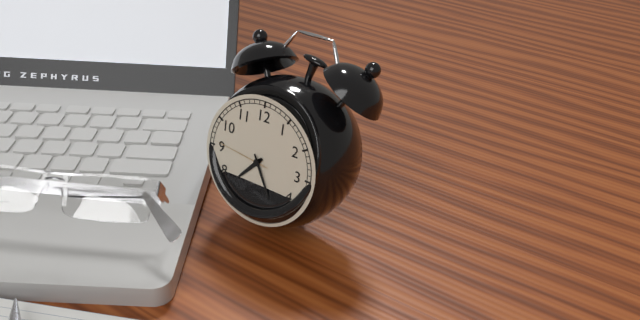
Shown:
h=7 m=25 s=46
